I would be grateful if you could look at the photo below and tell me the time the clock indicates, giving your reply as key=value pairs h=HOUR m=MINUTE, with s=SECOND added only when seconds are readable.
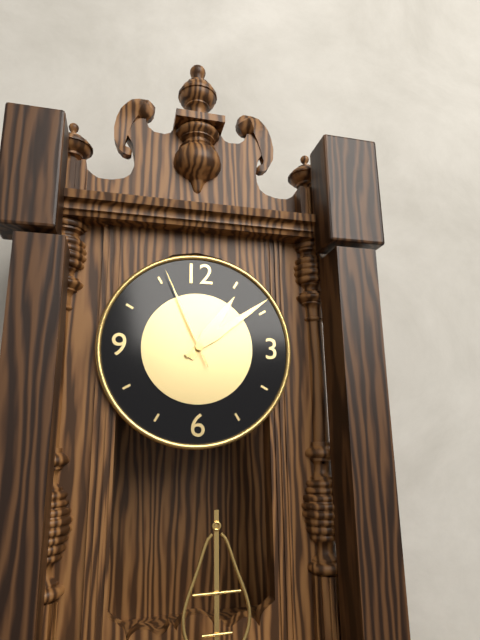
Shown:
h=1 m=9 s=56
